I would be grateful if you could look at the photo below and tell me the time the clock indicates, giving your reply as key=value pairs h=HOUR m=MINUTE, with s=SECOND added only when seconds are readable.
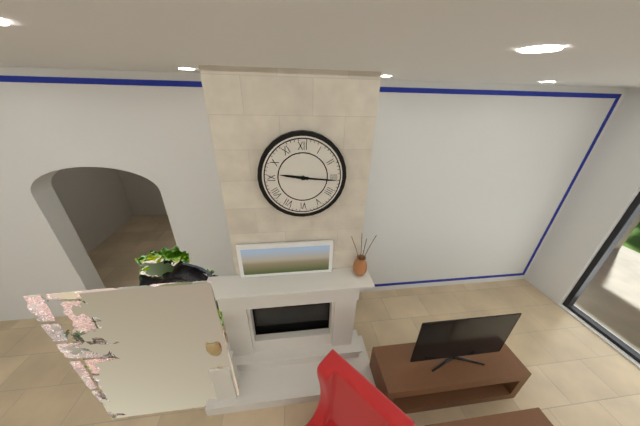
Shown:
h=9 m=16
